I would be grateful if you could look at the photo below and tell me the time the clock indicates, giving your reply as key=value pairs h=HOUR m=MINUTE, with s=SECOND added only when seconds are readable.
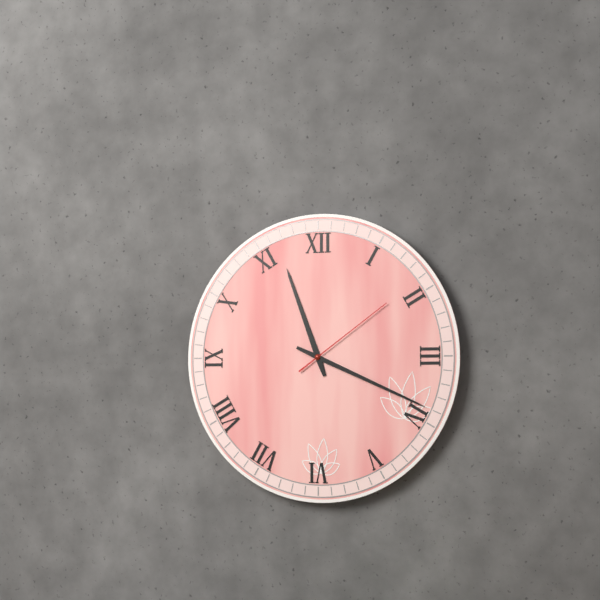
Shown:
h=11 m=19 s=9
